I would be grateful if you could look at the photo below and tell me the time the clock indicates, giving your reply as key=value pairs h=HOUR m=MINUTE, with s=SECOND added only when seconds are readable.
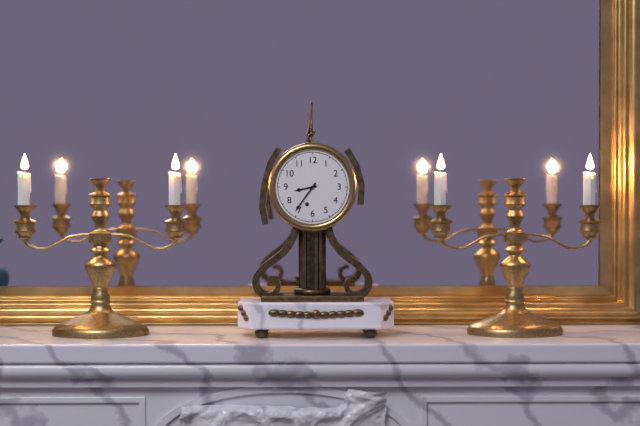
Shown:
h=8 m=36
